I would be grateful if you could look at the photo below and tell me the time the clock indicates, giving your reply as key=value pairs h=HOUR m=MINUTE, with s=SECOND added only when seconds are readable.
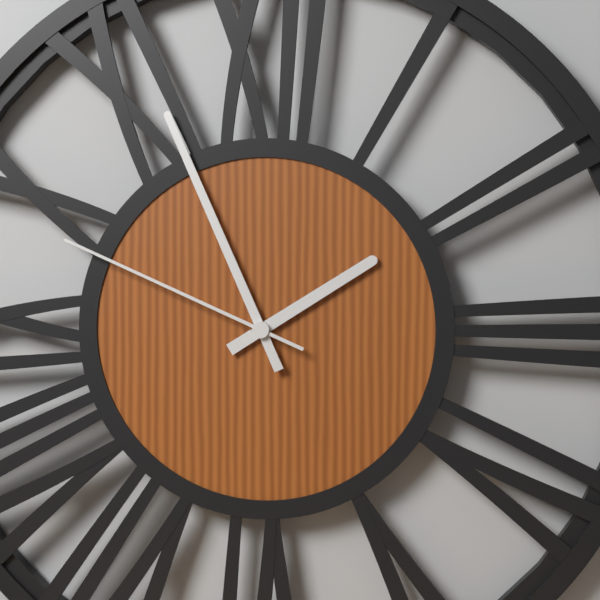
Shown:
h=1 m=56 s=49
